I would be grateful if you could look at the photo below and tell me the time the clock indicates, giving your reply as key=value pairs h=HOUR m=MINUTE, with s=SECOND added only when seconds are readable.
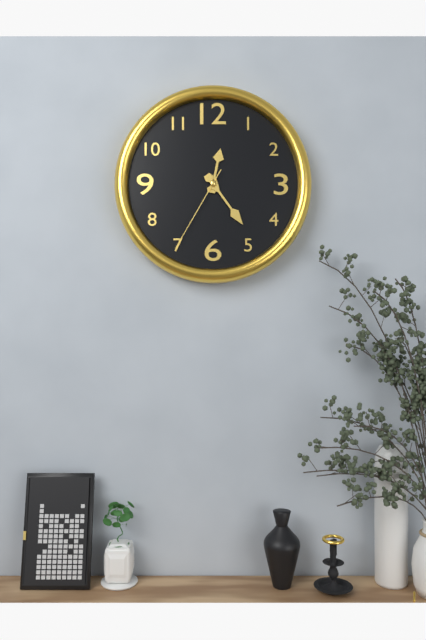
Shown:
h=12 m=24 s=35
